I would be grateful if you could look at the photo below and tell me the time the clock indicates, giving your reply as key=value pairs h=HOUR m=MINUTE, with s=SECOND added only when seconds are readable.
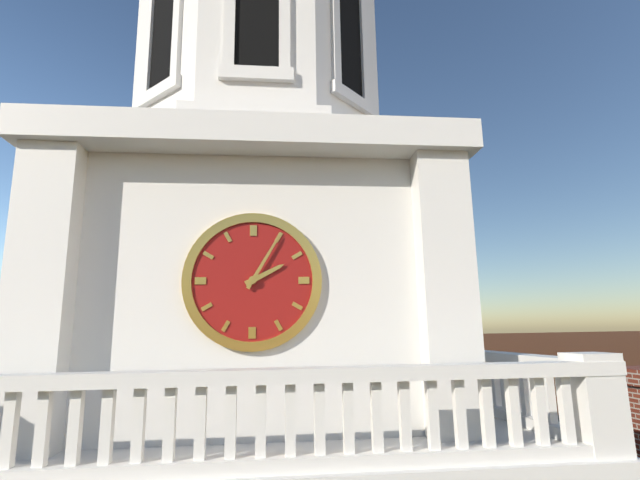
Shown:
h=2 m=5
